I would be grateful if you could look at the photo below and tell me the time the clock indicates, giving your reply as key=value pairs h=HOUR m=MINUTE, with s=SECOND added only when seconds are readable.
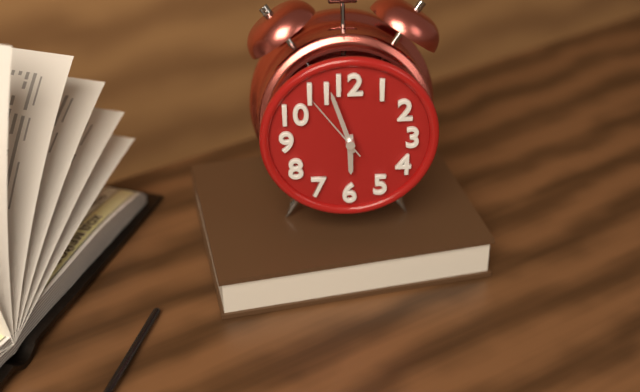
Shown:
h=5 m=57 s=54
